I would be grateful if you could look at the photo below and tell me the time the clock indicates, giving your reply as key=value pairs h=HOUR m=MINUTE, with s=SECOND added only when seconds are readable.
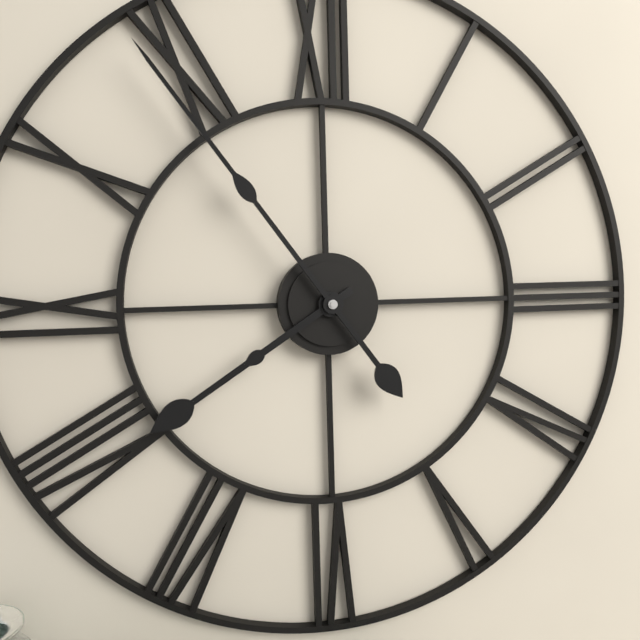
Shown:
h=7 m=54
